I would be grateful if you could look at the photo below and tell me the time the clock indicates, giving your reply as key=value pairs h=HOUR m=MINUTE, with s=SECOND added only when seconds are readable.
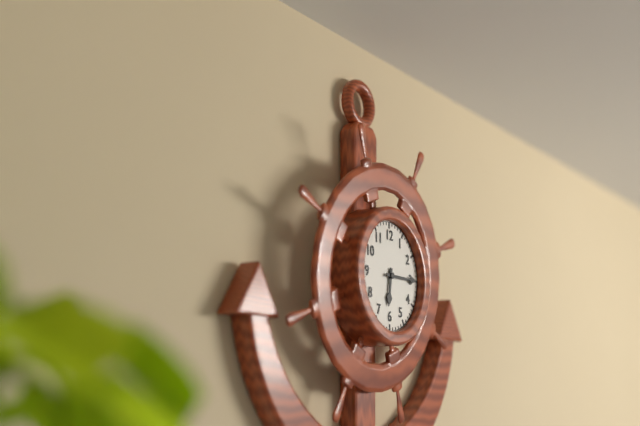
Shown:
h=6 m=15
